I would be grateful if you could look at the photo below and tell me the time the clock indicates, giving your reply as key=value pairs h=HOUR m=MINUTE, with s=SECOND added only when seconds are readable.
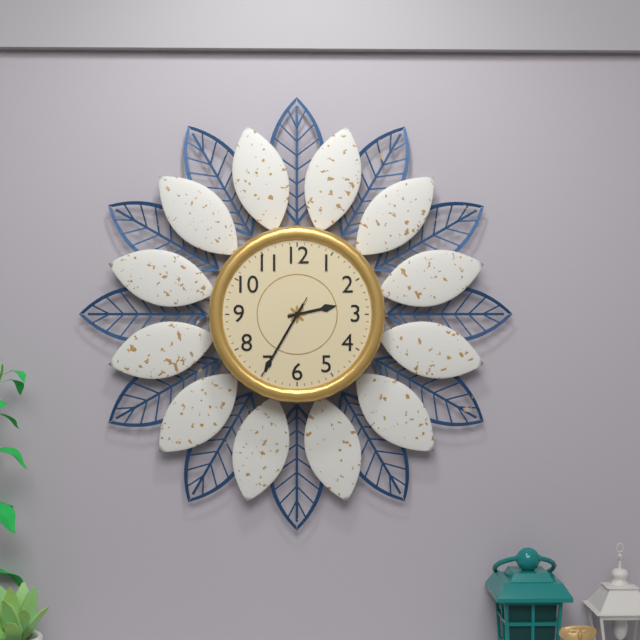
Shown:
h=2 m=35 s=35
